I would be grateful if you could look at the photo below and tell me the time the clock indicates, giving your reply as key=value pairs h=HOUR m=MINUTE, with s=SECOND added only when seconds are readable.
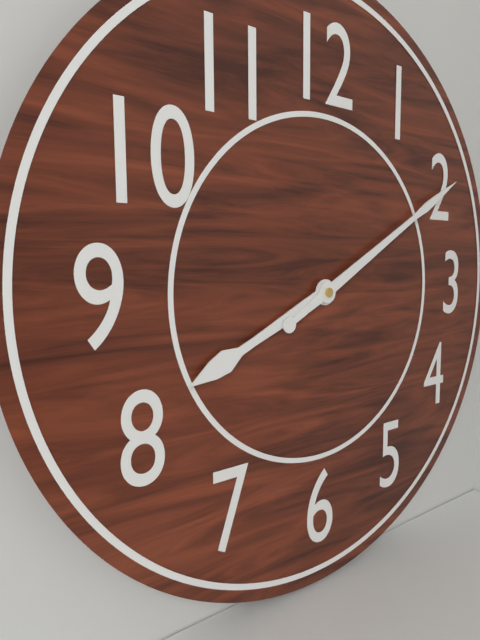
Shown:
h=8 m=10
